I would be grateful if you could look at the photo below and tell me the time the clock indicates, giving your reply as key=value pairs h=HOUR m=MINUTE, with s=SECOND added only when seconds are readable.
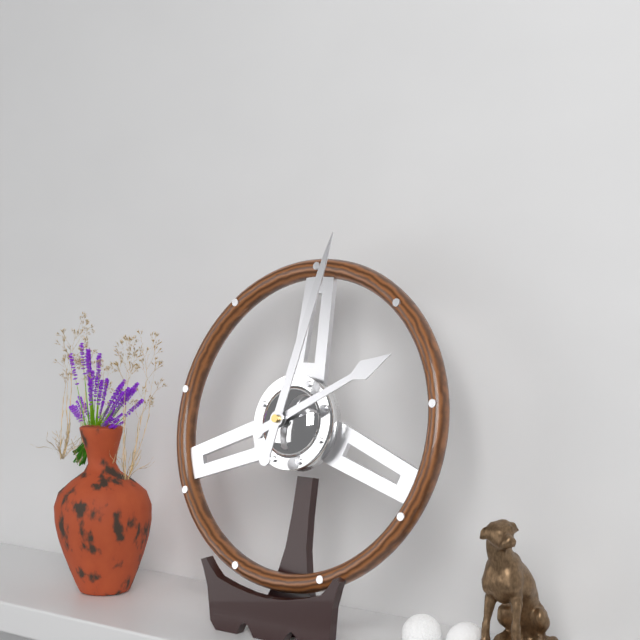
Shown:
h=2 m=2
